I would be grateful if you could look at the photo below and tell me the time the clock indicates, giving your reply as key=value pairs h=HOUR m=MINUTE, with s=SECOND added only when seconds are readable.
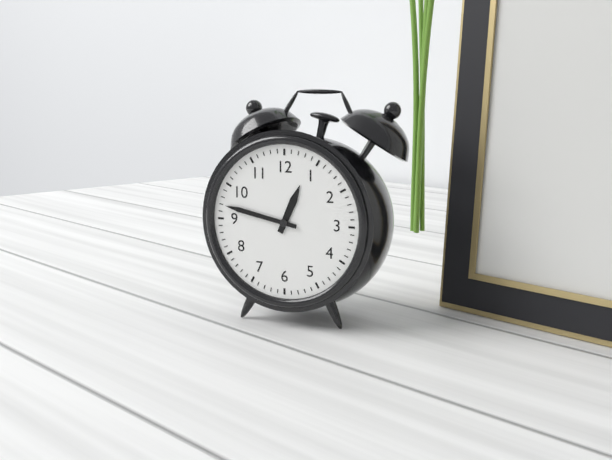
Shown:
h=12 m=47
